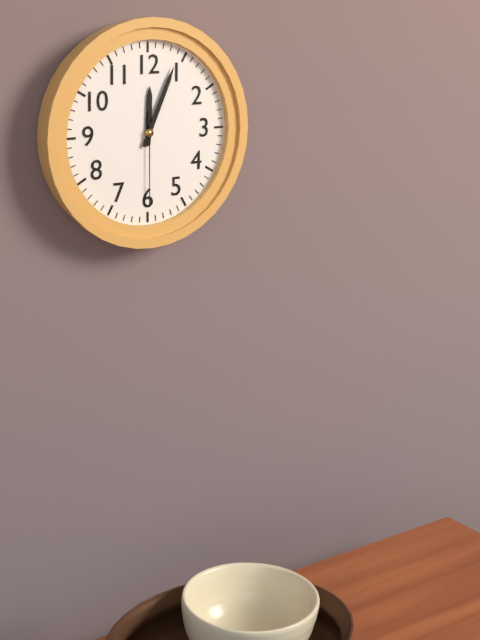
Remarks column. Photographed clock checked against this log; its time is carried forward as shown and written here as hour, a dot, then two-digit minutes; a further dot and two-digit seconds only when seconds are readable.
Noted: 12.04.30
